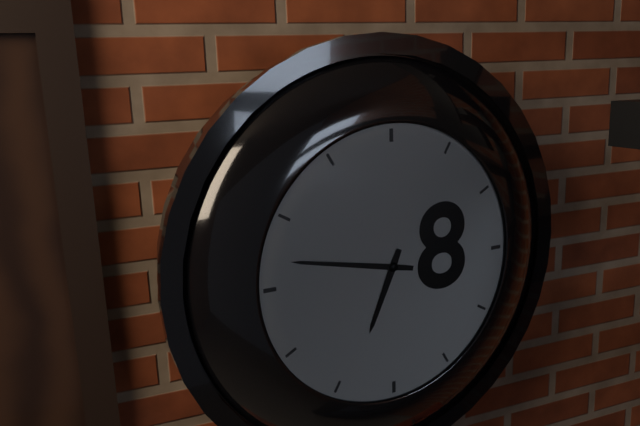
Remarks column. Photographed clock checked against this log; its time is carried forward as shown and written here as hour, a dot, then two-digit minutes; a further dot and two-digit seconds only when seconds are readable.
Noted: 6.47
